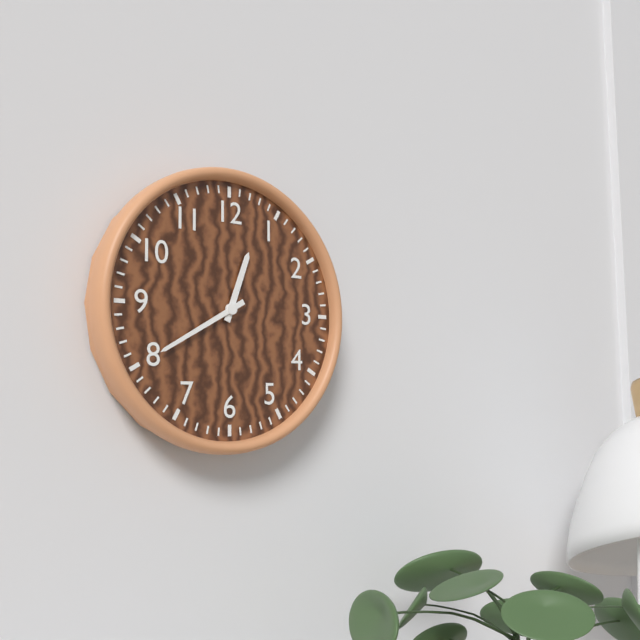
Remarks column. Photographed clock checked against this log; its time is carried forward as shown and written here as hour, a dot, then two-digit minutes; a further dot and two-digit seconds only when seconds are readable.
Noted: 12.40
